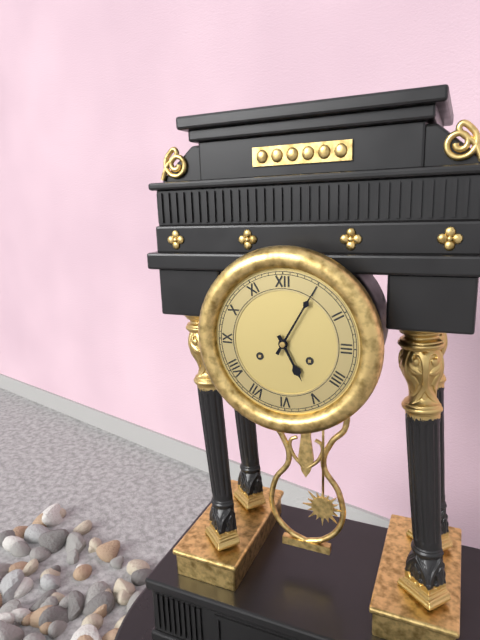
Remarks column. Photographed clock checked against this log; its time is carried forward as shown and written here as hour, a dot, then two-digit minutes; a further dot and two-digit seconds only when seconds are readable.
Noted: 5.05
